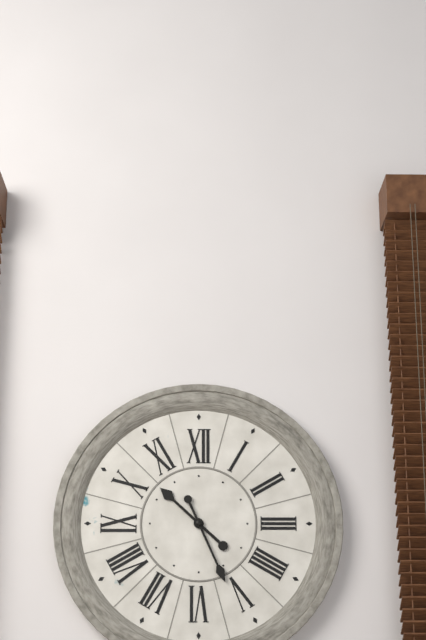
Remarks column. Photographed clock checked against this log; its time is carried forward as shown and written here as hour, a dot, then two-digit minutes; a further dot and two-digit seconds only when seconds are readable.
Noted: 10.26
